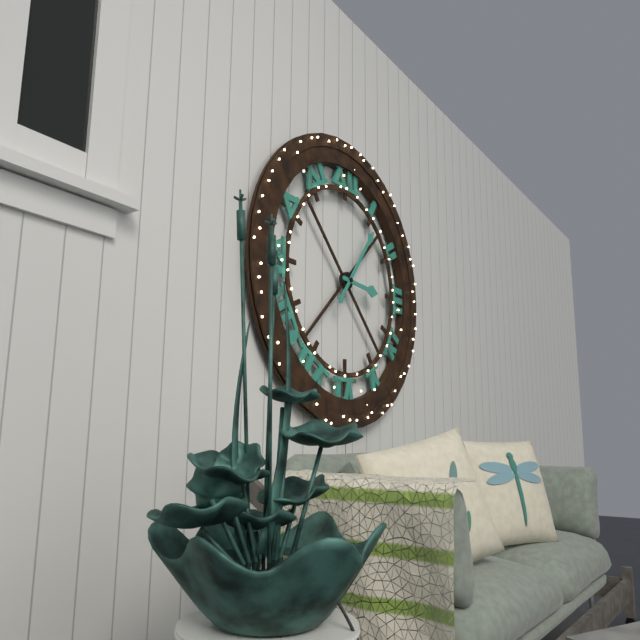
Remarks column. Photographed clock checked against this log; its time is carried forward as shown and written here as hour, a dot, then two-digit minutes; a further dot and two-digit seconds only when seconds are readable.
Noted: 3.06
